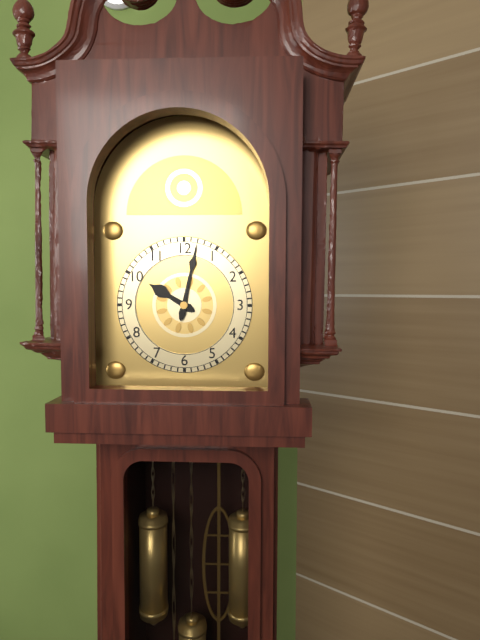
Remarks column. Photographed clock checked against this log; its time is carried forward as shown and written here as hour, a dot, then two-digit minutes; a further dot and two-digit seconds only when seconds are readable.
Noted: 10.02
